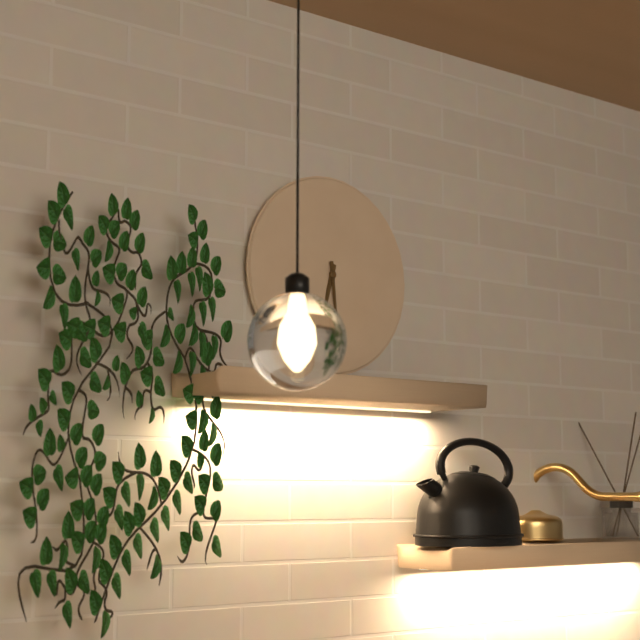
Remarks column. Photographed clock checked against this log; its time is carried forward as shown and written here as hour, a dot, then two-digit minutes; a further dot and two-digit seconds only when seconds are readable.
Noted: 6.29
